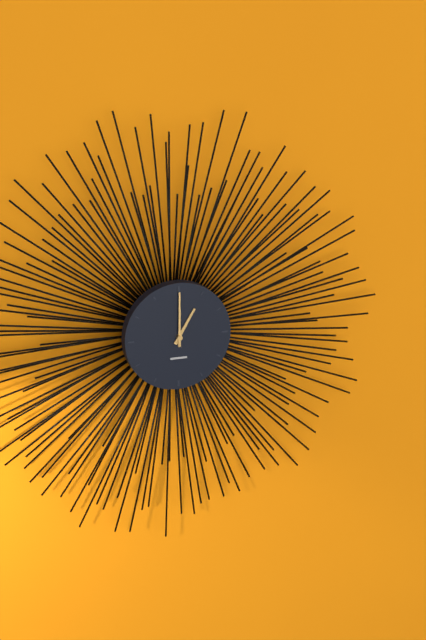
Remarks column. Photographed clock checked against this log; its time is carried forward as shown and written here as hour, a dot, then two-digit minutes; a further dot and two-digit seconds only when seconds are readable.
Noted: 1.00
